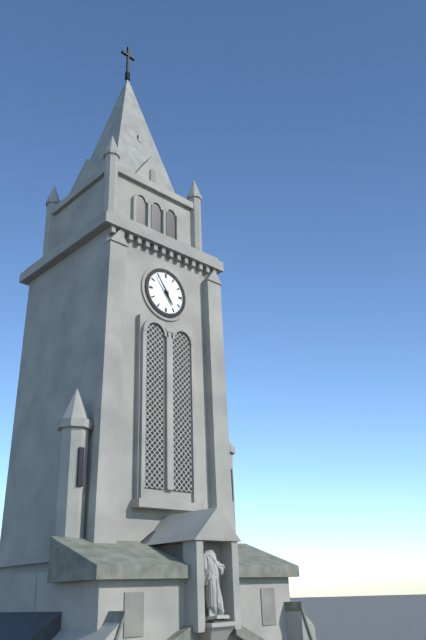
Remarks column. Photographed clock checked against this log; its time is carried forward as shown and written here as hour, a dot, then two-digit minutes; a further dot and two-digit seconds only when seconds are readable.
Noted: 4.54
